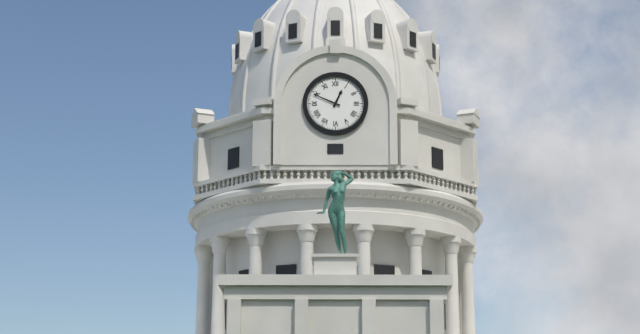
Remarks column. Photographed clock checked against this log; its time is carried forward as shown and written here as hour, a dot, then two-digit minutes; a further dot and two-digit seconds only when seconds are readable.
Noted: 12.49
